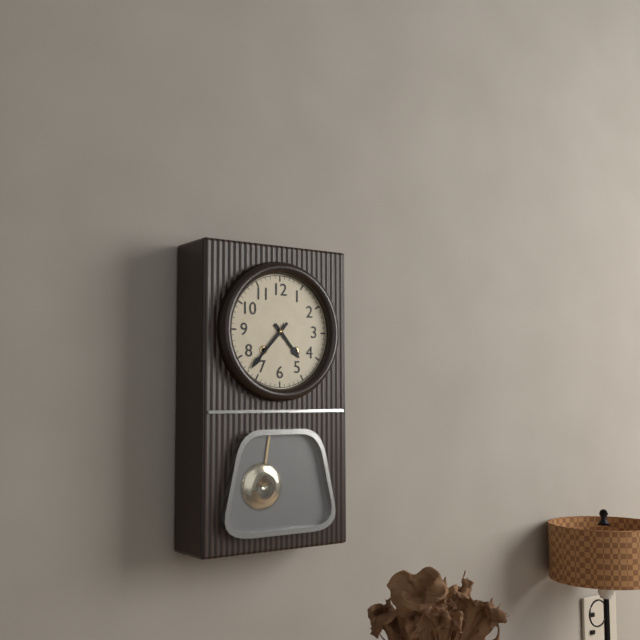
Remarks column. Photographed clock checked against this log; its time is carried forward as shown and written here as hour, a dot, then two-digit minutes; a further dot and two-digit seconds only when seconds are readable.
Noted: 4.37
